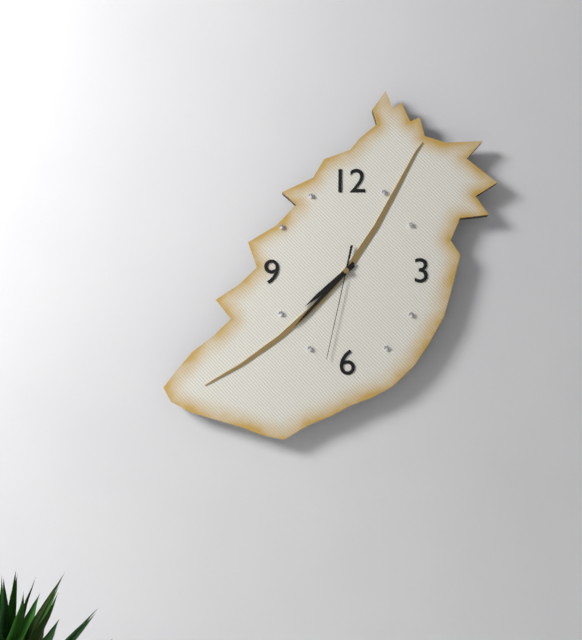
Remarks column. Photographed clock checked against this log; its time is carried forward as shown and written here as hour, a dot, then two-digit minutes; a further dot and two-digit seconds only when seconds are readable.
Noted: 7.37.32
